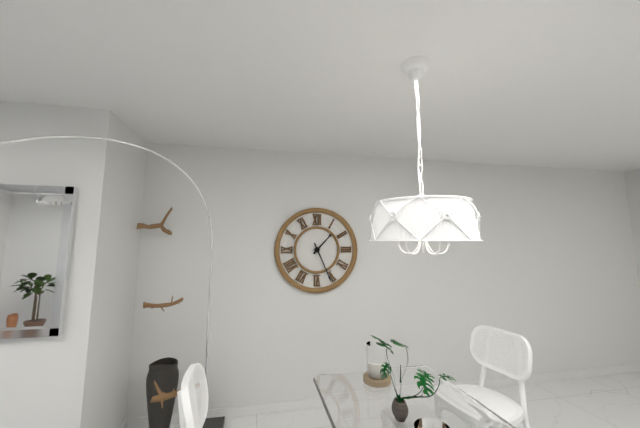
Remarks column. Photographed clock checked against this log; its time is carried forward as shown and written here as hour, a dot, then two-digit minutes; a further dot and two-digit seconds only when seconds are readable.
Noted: 1.26
